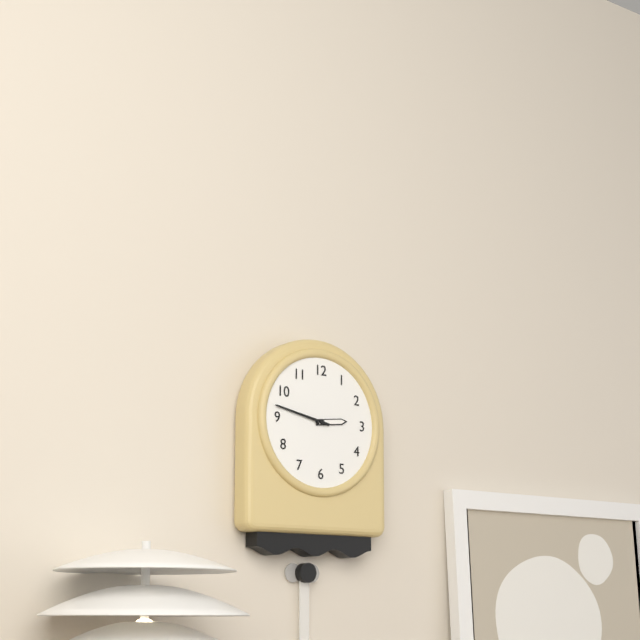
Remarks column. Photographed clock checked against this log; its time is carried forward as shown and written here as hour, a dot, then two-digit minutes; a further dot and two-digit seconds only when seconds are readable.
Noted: 2.47
